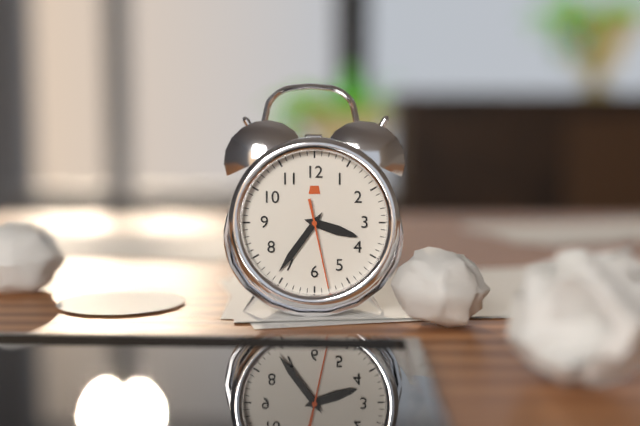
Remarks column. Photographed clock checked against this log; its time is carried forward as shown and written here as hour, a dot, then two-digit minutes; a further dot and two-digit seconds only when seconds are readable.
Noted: 3.36.28
